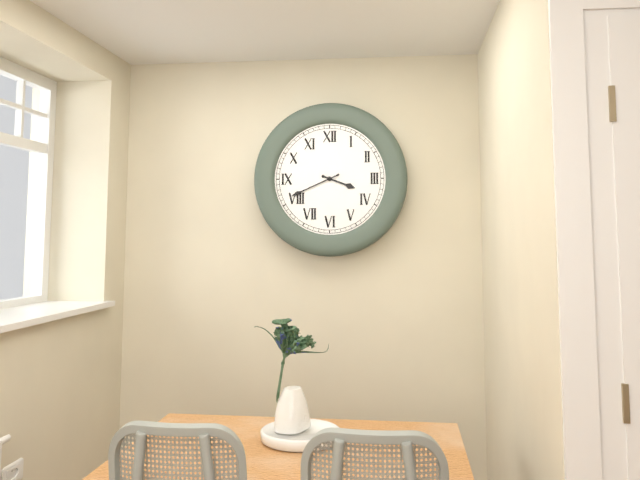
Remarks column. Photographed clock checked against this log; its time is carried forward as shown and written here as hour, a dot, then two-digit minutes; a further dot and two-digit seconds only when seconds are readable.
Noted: 3.41
